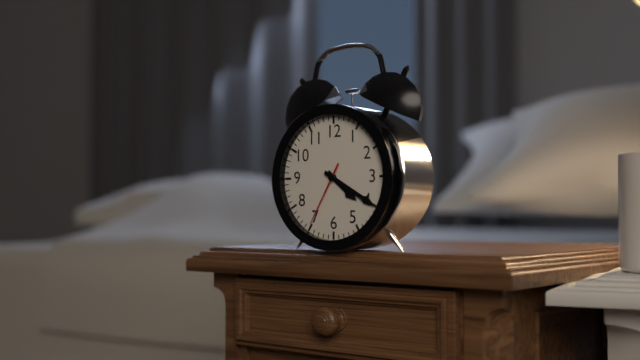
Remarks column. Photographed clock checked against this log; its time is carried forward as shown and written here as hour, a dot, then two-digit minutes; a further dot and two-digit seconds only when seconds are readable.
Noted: 4.20.35
